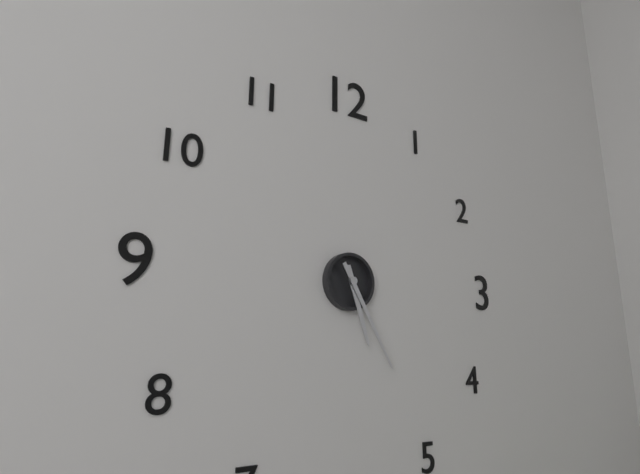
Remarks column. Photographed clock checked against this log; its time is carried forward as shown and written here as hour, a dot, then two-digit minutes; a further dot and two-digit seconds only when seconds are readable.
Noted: 5.25
